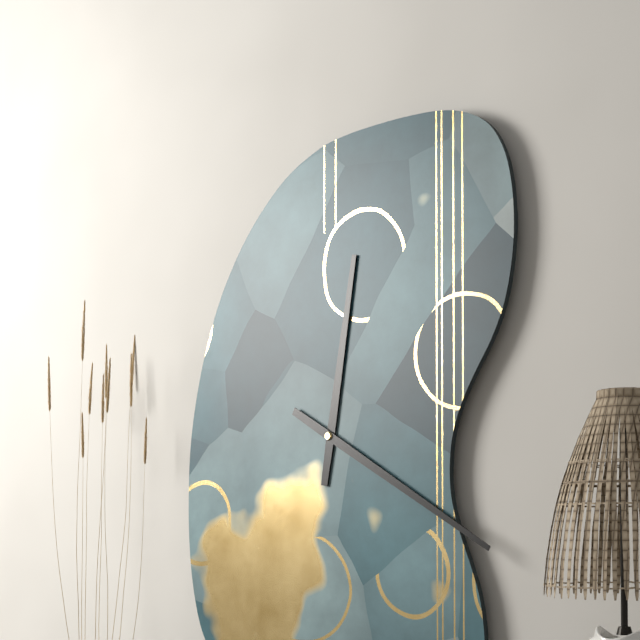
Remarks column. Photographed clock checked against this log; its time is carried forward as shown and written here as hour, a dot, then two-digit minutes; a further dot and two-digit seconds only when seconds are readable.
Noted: 12.20
